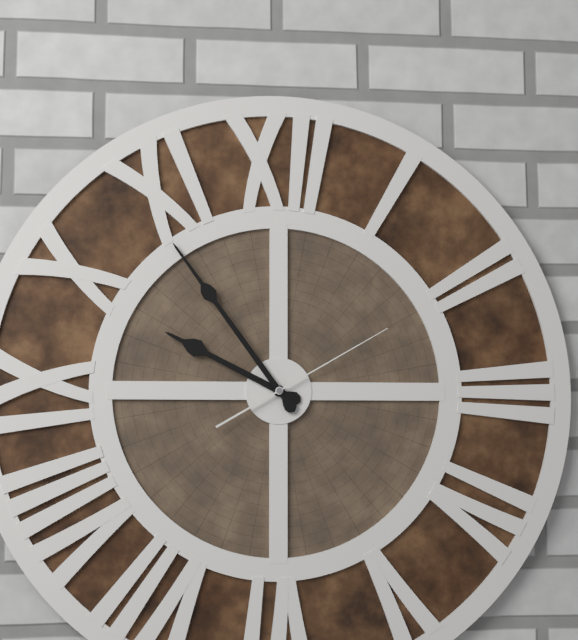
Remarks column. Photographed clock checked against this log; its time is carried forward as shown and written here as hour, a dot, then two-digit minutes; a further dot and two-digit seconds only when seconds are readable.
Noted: 9.54.10
